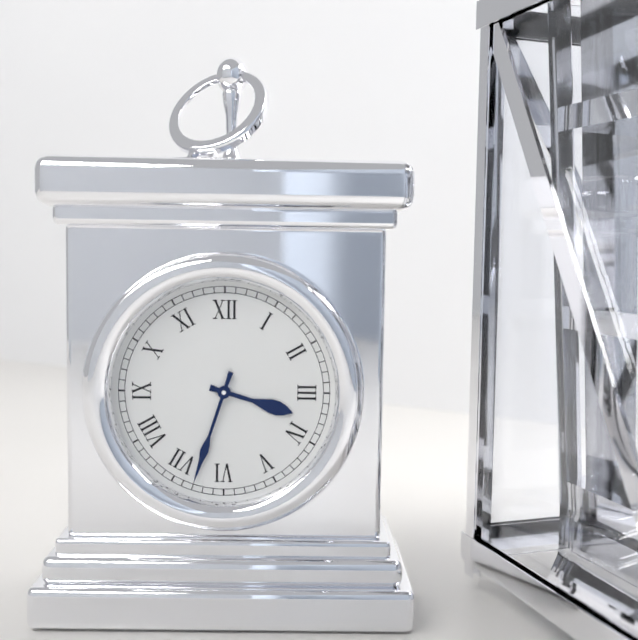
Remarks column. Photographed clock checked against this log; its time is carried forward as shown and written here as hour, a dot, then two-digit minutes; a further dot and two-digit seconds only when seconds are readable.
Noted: 3.33
